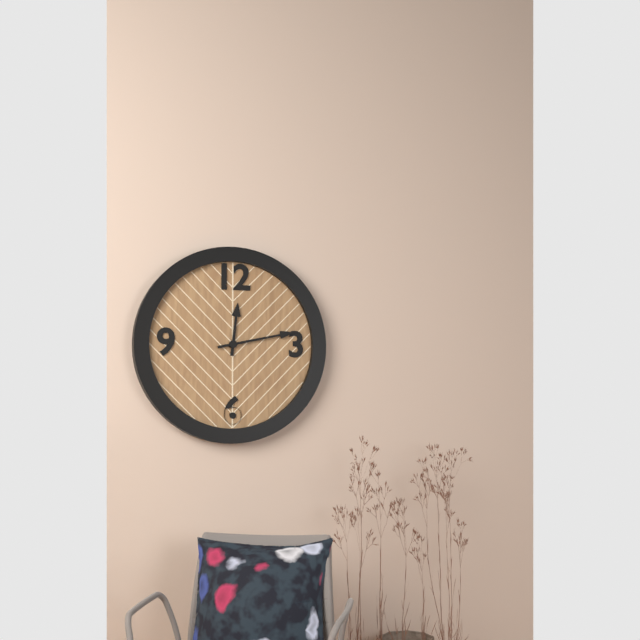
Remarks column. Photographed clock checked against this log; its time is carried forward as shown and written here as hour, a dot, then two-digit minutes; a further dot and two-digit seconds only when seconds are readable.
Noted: 12.13
